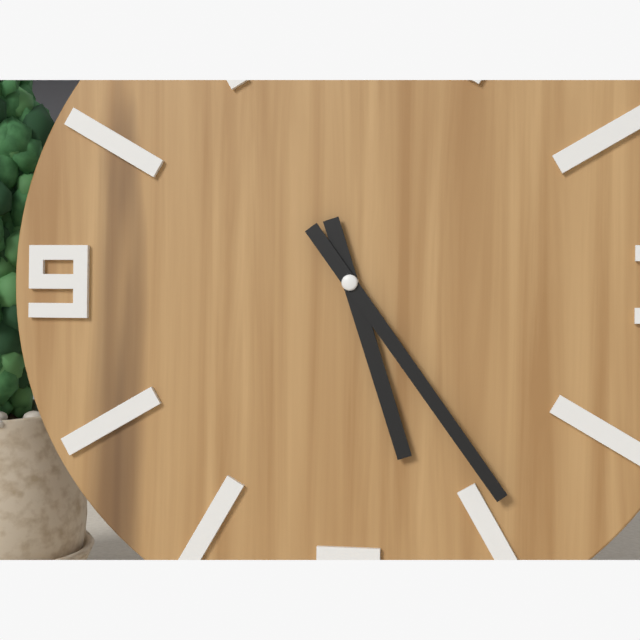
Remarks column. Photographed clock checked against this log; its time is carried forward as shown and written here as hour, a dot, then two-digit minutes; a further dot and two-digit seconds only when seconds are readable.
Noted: 5.24
